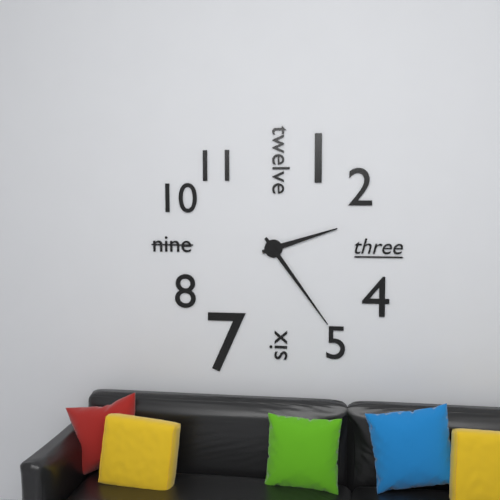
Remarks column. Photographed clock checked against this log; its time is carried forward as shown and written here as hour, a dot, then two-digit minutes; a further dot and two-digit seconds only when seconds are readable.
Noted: 2.24
